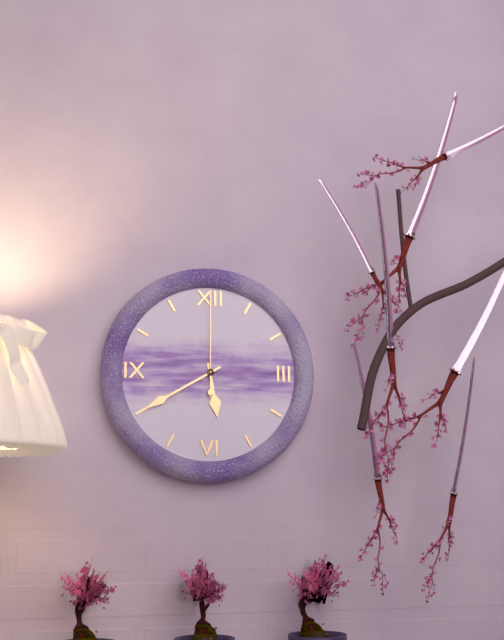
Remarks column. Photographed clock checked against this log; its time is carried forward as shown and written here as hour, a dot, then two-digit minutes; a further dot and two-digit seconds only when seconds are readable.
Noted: 5.40.00
